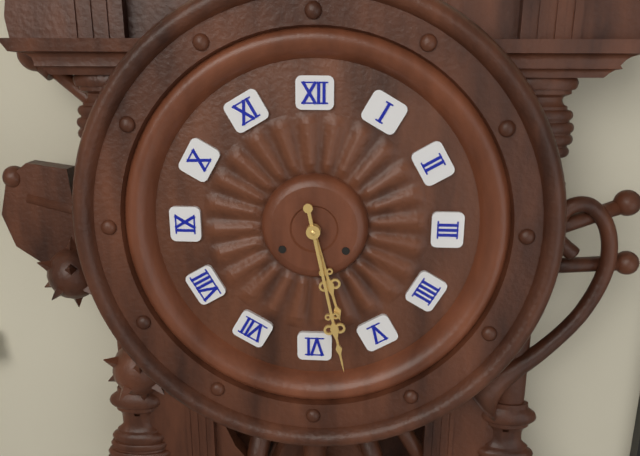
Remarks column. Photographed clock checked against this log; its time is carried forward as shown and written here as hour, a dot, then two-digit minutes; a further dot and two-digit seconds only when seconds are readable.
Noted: 5.28
